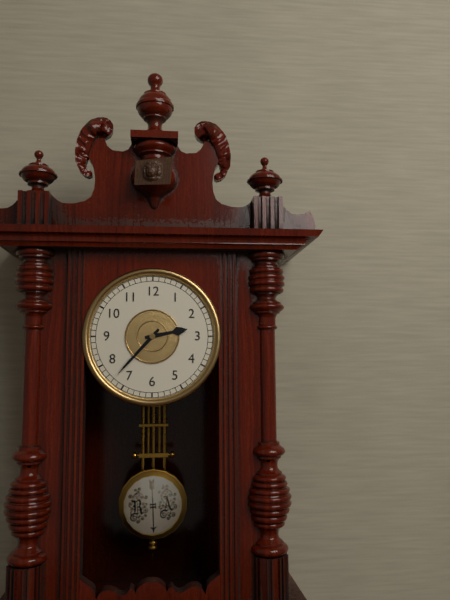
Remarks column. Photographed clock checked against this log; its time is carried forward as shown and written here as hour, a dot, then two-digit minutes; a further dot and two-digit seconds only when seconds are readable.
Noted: 2.37
